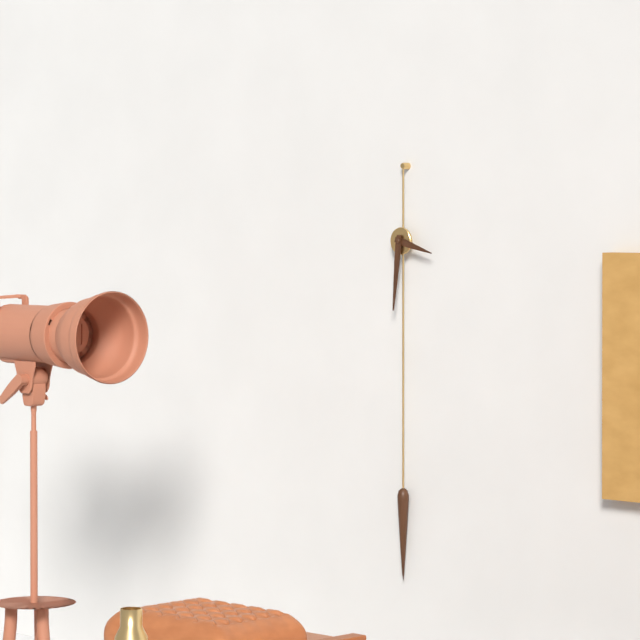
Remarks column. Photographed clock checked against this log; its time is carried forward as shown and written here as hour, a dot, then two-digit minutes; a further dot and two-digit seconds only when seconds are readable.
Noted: 3.31
